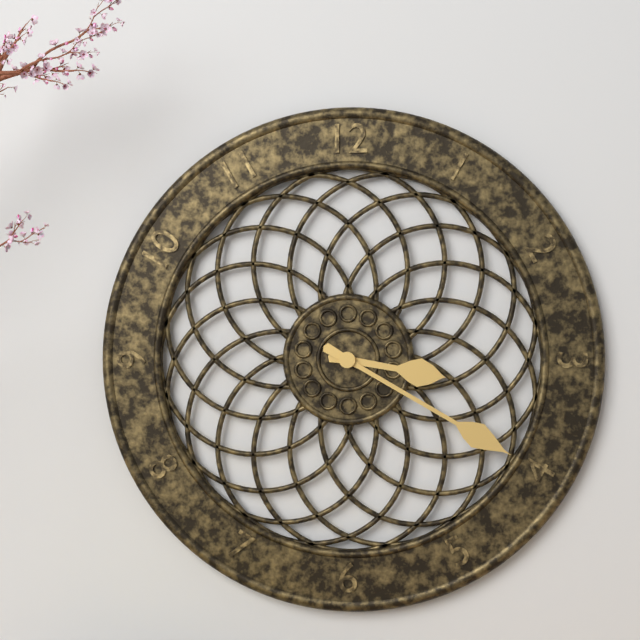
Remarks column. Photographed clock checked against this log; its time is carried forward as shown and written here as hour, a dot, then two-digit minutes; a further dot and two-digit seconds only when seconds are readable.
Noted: 3.20
